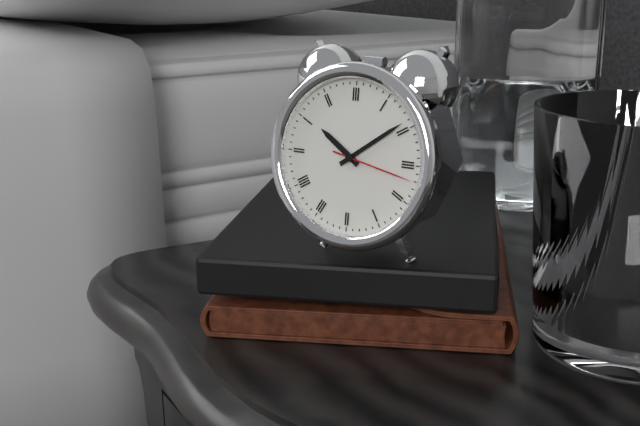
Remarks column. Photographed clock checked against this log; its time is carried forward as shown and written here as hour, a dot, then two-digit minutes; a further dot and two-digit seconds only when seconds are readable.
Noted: 10.09.17
